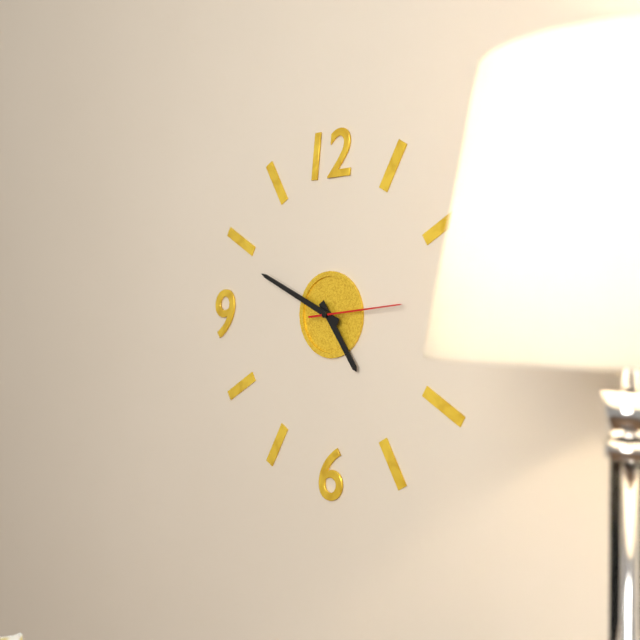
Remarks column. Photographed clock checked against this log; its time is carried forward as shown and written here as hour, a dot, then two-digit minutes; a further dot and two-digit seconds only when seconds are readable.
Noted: 4.49.14
